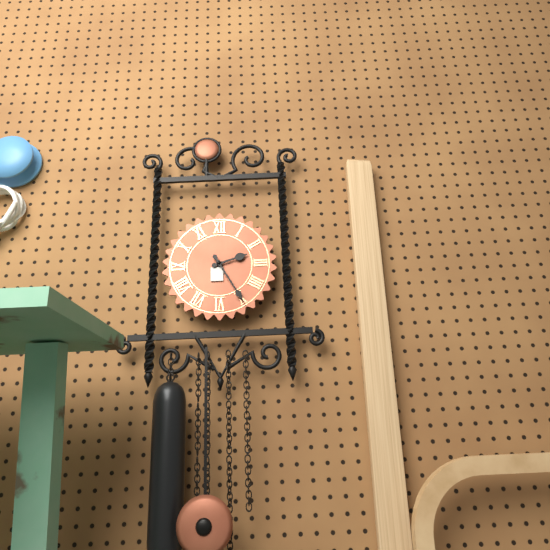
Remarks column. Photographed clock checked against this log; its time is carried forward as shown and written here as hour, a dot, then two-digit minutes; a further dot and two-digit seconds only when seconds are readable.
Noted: 2.25
